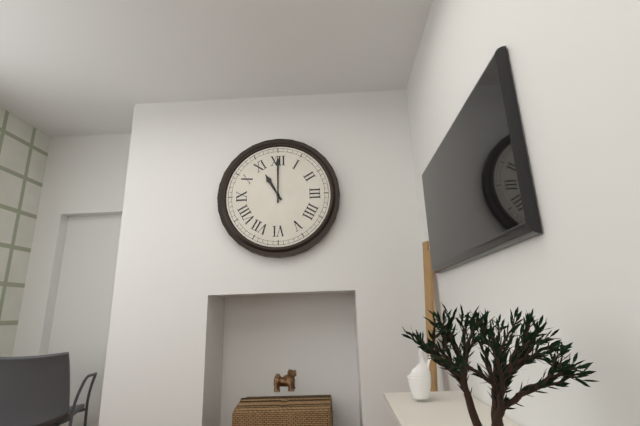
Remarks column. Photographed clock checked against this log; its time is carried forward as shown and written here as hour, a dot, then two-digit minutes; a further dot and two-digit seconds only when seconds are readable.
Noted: 11.00
